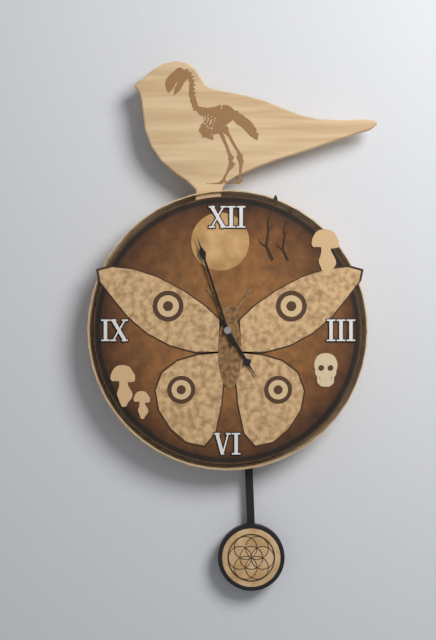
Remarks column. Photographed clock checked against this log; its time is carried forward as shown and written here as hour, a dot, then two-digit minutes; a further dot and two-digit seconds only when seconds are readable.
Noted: 4.57
